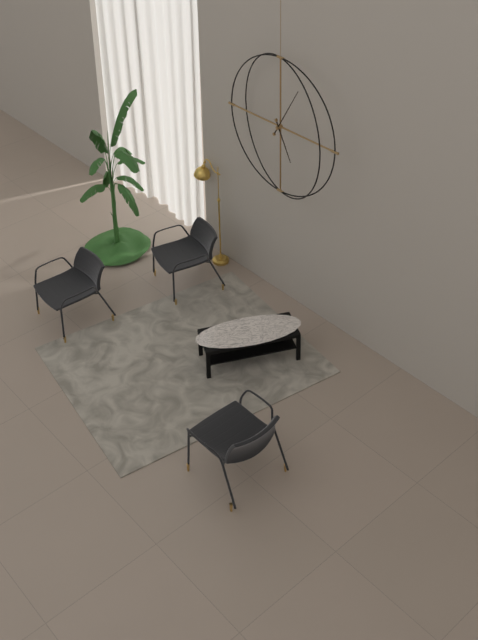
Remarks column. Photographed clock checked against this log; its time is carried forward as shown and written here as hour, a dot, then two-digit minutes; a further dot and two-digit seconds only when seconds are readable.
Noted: 5.05
